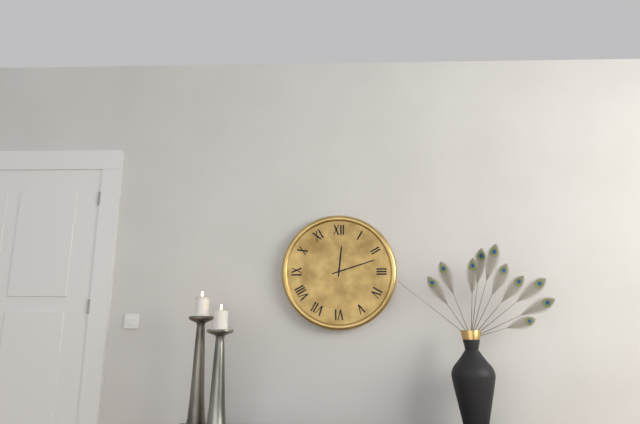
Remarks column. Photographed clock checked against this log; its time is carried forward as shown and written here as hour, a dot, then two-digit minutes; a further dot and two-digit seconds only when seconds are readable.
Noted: 12.12
